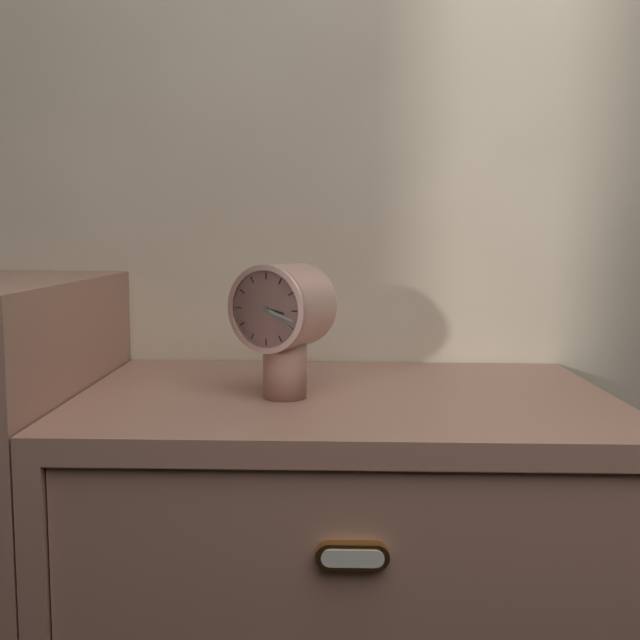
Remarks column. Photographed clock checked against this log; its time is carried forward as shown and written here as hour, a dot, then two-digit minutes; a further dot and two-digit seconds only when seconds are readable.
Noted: 3.18
